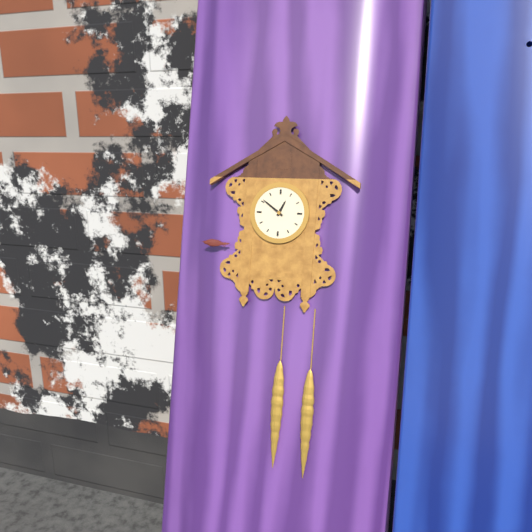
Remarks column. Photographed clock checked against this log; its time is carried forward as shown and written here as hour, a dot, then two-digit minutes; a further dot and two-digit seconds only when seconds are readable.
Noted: 12.51
